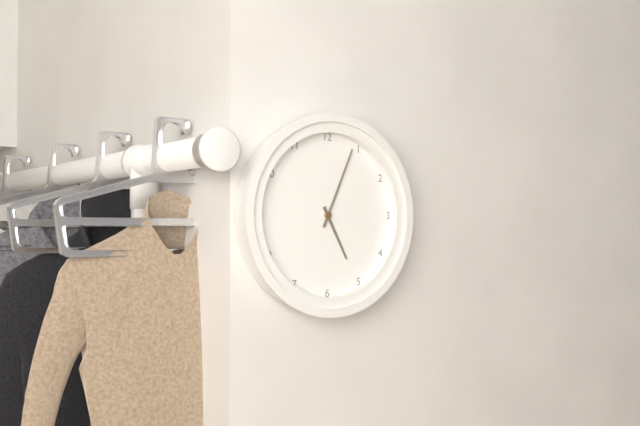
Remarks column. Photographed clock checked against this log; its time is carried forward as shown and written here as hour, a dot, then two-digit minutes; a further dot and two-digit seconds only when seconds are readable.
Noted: 5.04
